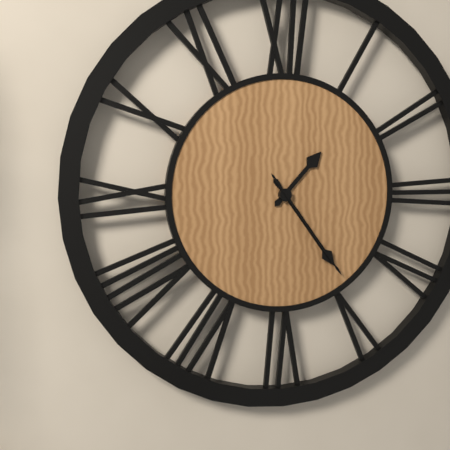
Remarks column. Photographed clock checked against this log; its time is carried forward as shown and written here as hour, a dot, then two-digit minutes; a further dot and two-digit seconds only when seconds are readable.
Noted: 1.24.24
